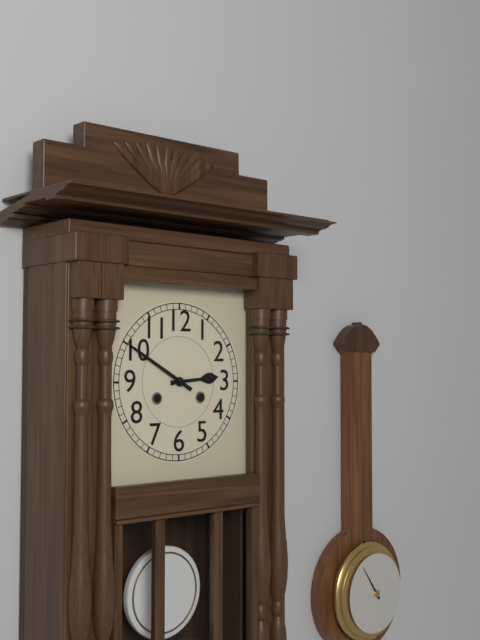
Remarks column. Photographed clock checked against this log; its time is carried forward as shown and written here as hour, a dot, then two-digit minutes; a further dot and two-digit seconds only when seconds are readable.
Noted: 2.50
